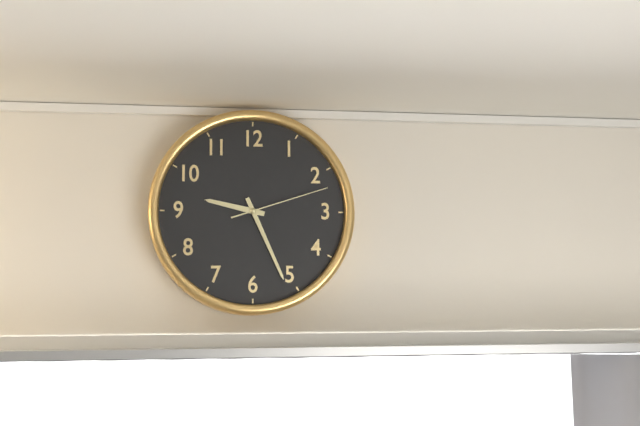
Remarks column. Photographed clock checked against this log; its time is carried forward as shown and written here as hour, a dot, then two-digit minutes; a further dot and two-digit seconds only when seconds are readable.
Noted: 9.26.12
